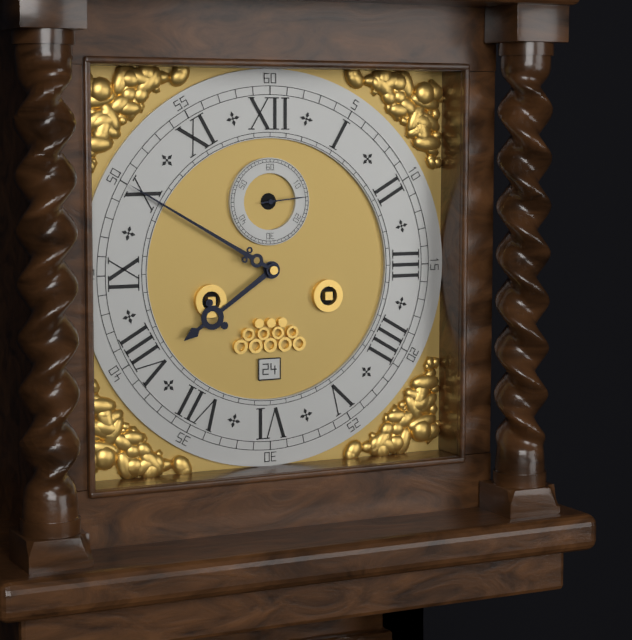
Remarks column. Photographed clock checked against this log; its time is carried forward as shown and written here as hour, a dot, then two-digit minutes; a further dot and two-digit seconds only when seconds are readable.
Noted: 7.50
